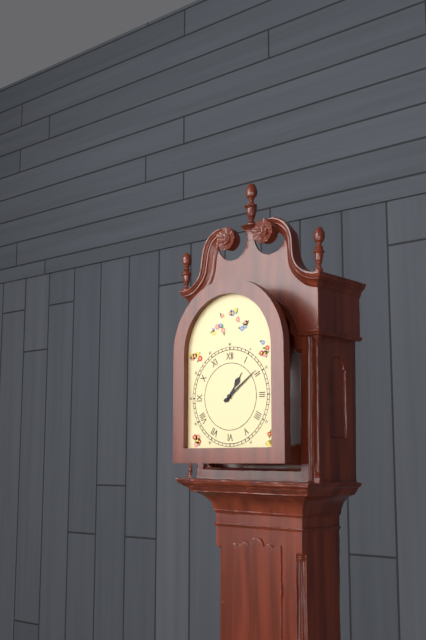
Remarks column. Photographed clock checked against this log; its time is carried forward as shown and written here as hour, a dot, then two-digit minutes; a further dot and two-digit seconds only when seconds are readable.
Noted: 1.09
